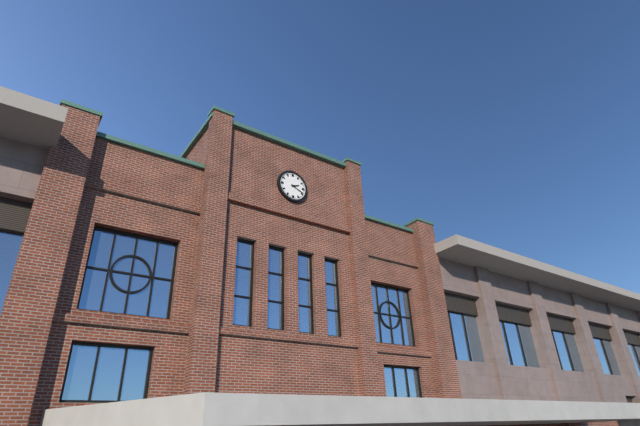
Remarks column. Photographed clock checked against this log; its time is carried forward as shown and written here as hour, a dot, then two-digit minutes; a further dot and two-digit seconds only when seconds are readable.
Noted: 2.19
